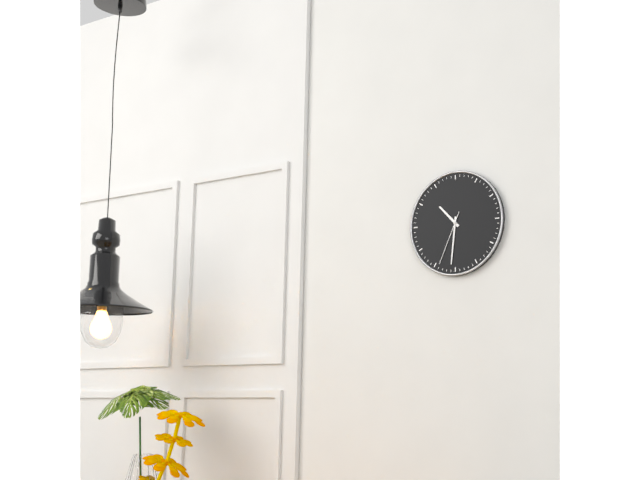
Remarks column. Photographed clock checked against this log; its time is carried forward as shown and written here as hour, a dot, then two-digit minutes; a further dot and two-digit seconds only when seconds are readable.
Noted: 10.31.34
